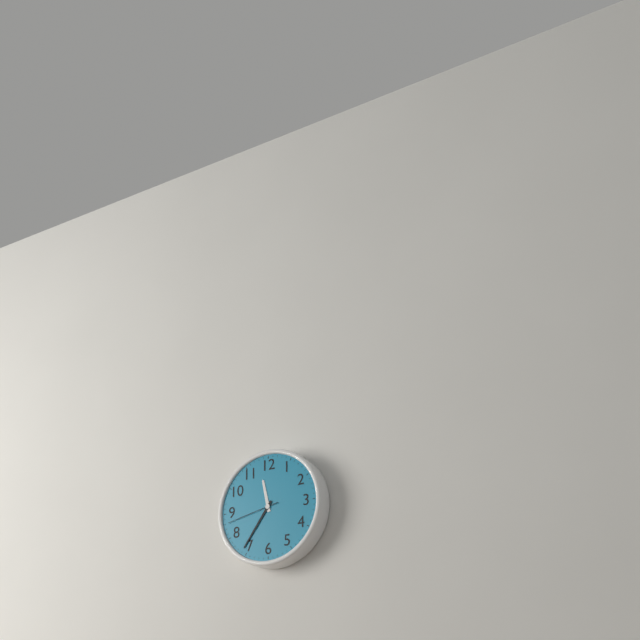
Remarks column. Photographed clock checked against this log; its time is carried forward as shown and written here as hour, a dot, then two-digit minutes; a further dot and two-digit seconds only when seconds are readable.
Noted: 11.36.43
